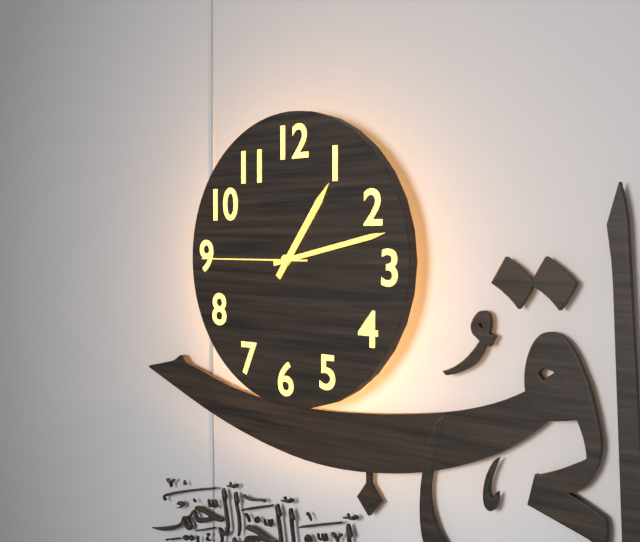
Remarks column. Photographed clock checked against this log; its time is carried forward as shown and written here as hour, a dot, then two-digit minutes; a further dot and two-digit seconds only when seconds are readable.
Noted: 1.13.45
